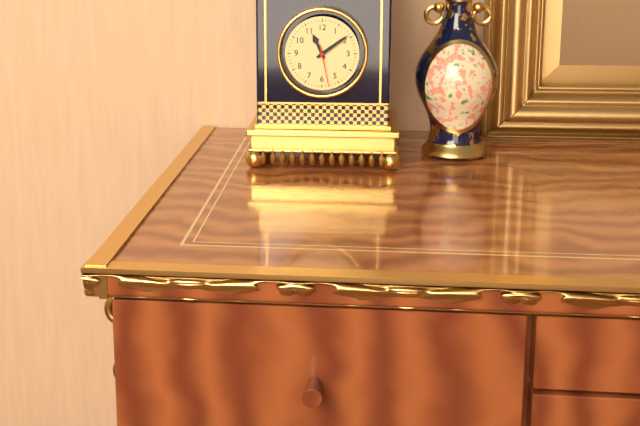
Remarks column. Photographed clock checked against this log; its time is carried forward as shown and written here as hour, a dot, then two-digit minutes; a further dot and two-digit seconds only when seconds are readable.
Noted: 11.09
